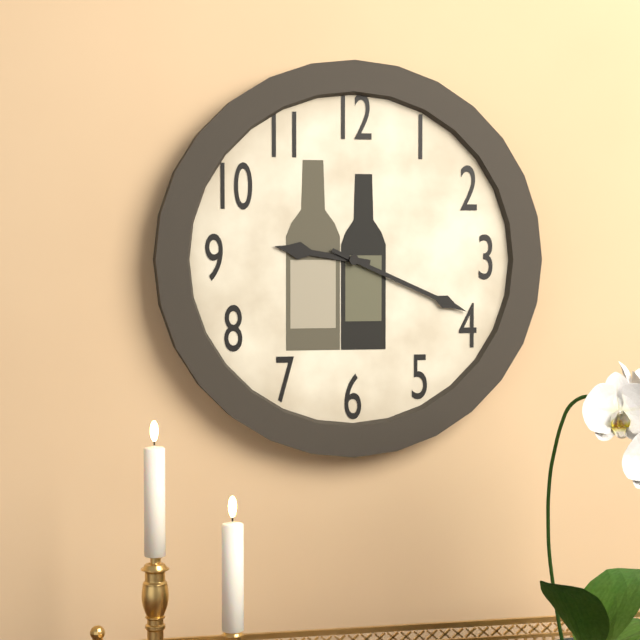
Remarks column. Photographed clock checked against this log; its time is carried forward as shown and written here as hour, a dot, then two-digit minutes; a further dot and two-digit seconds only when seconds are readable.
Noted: 9.19
